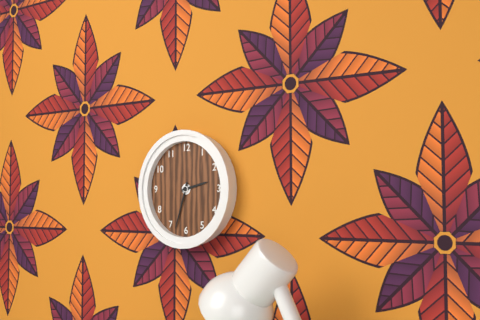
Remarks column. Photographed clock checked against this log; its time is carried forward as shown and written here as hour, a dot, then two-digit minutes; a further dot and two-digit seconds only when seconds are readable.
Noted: 2.33
